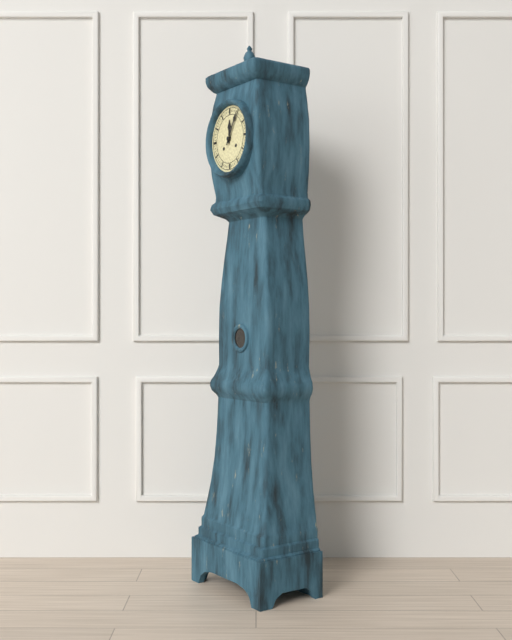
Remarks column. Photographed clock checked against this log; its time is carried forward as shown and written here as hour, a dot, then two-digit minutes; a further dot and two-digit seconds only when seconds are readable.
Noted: 12.05
